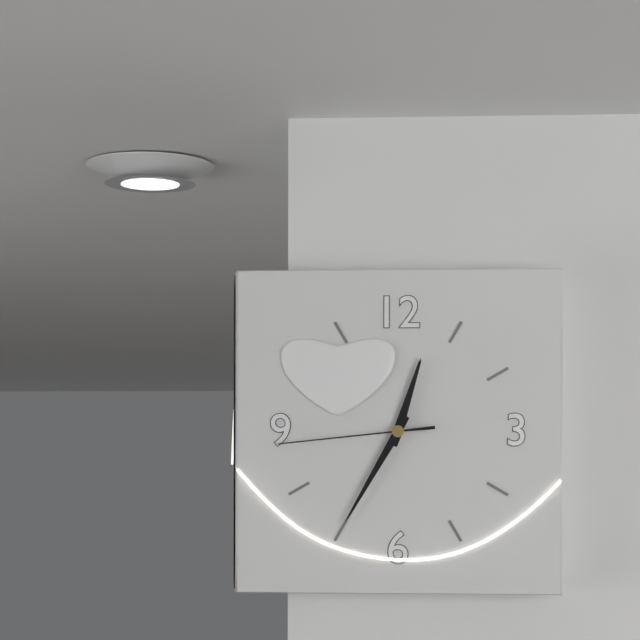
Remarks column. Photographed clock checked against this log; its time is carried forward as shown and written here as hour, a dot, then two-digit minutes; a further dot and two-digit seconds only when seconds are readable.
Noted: 12.35.44
